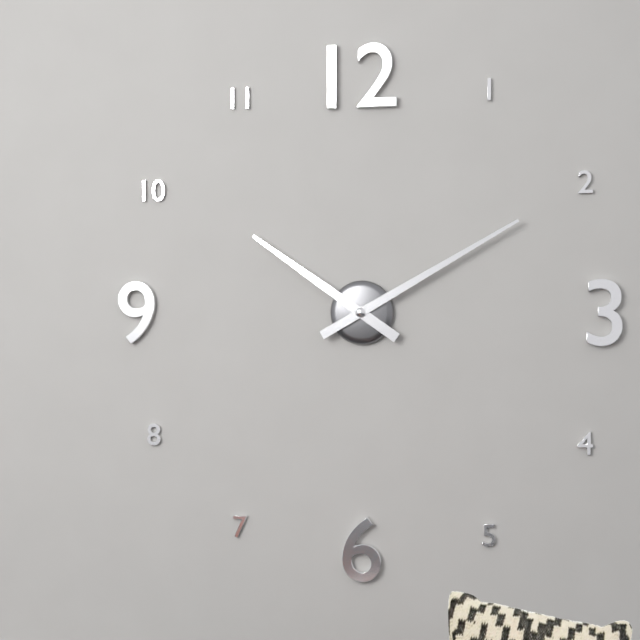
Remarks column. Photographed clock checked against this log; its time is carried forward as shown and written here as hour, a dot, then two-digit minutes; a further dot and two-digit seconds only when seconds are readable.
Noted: 10.10
